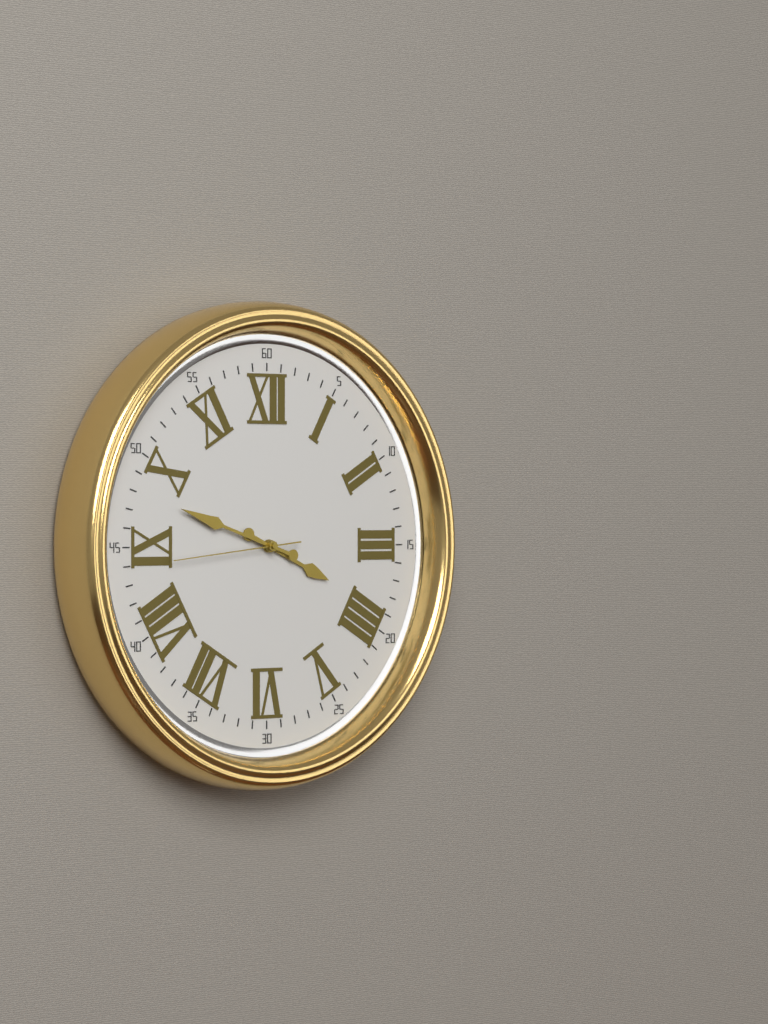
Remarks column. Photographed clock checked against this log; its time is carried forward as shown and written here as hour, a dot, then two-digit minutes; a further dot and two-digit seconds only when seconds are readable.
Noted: 3.48.44
